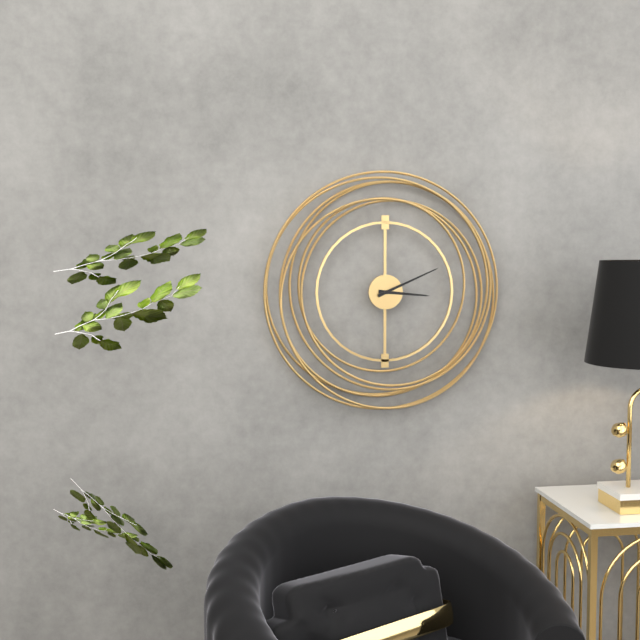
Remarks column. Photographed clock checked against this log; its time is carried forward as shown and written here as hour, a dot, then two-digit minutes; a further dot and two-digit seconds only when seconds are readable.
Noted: 3.11
